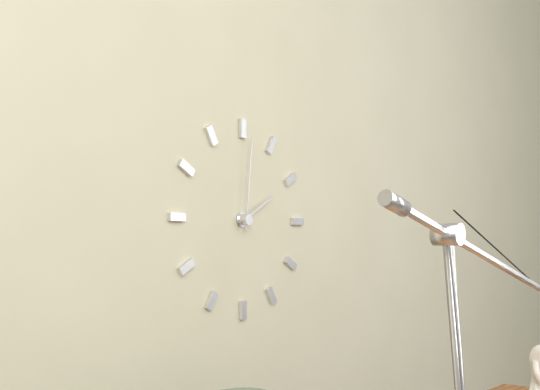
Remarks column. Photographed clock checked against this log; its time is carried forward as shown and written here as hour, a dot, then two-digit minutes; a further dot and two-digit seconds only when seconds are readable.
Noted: 2.01
